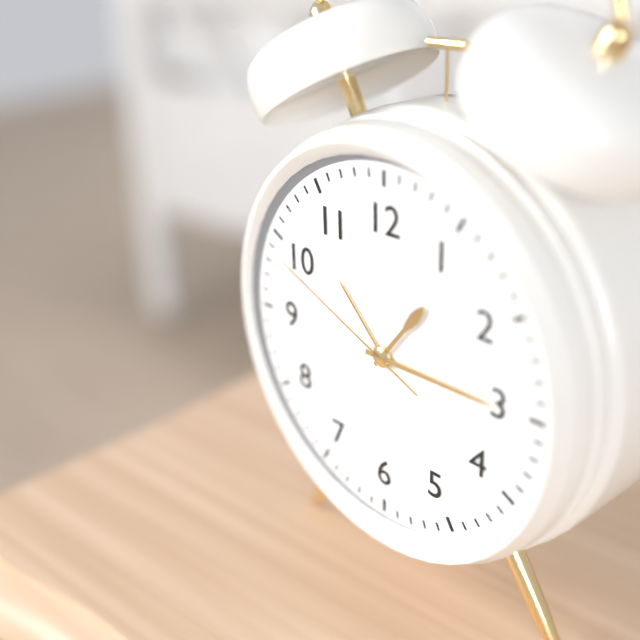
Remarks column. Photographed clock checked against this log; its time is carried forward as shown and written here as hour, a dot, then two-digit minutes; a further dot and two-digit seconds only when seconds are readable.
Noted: 1.15.49
